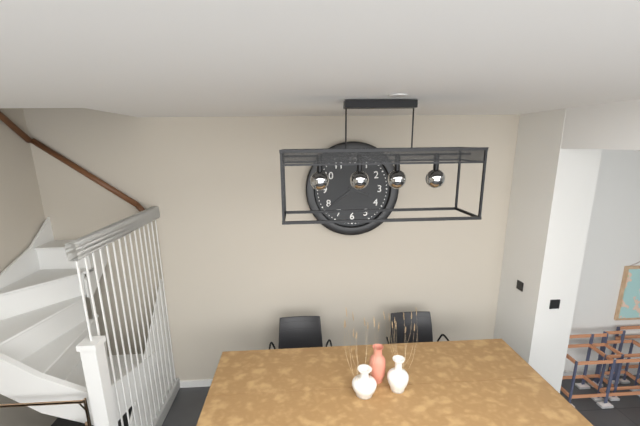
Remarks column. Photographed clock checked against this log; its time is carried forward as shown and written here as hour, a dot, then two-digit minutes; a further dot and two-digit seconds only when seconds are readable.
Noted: 3.39
